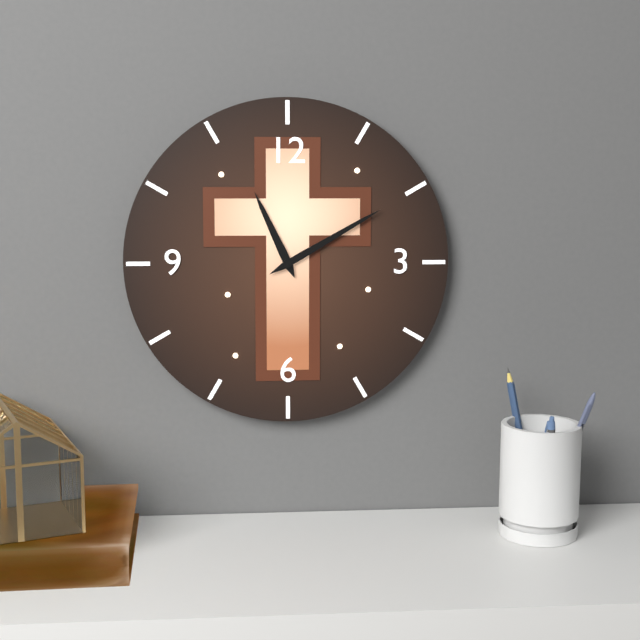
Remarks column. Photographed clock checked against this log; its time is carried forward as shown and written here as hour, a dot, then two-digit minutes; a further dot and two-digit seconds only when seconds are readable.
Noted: 11.10
